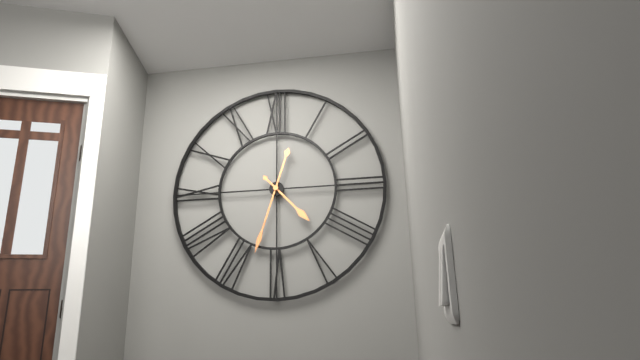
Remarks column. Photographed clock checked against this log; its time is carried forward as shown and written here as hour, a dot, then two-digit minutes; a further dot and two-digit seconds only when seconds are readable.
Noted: 4.33
